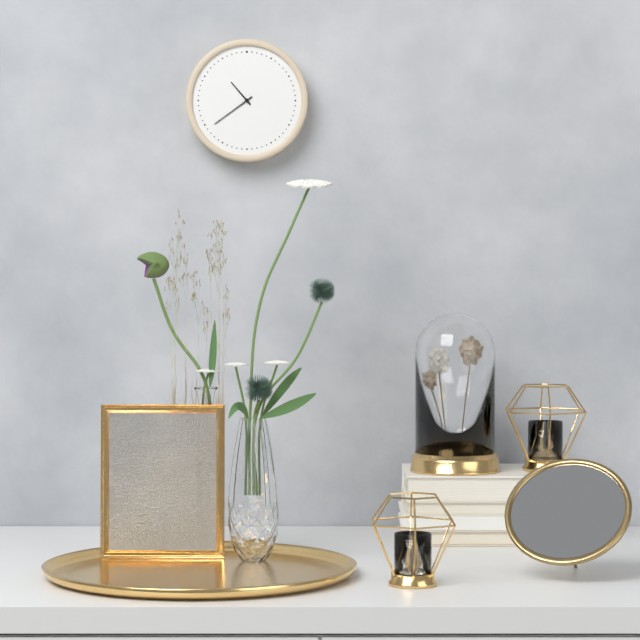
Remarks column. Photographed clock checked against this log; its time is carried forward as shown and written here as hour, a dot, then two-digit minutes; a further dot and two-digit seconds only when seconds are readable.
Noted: 10.39
